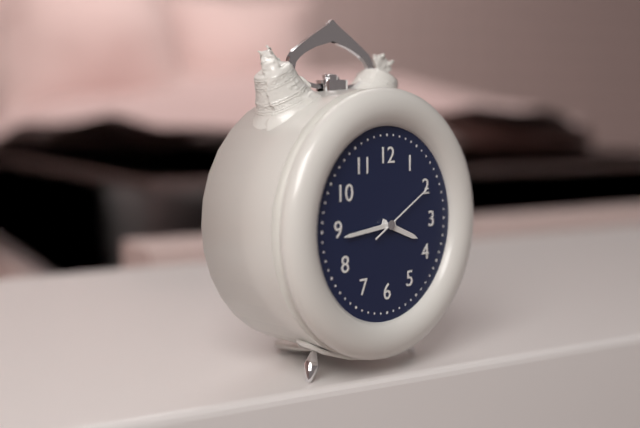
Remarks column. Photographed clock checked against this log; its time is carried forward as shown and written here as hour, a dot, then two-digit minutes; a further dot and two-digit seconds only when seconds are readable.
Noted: 3.44.10
